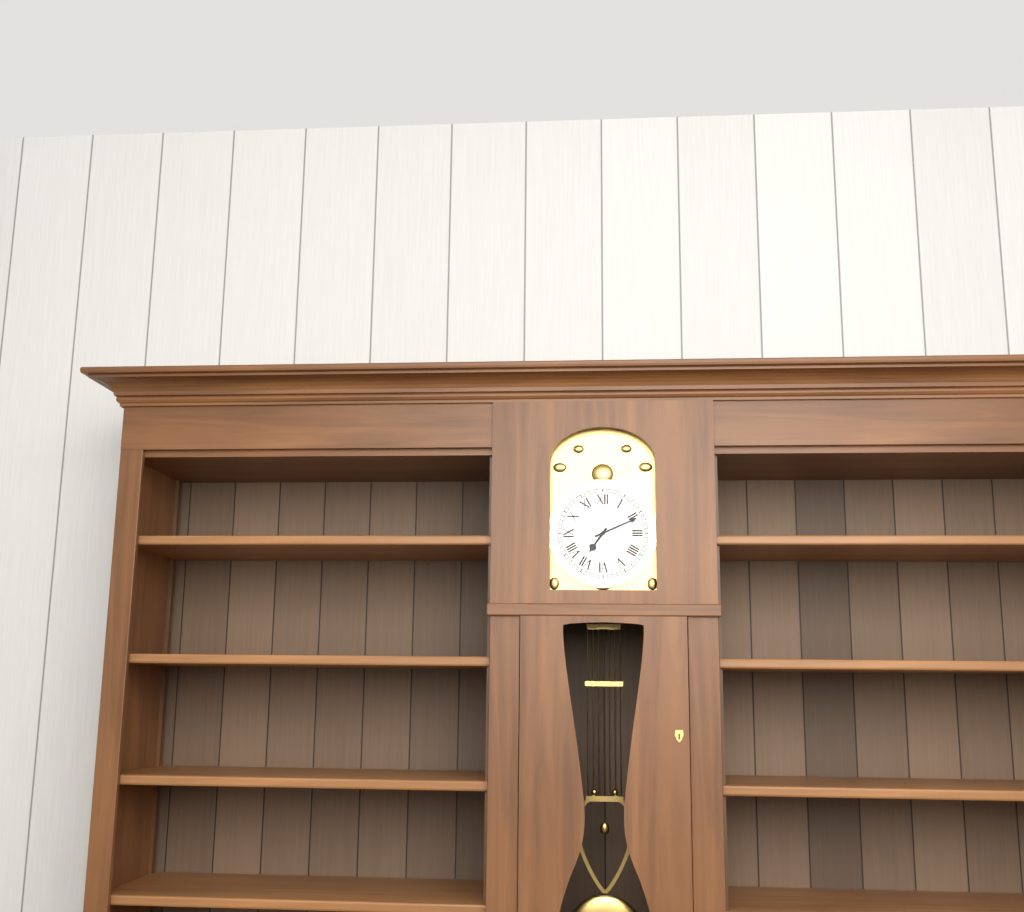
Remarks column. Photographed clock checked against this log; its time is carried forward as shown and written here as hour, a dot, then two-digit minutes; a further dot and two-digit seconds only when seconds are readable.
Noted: 7.11
